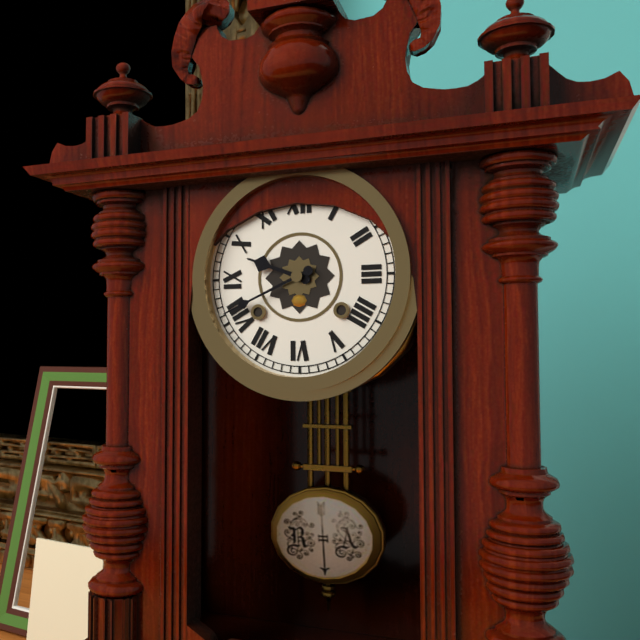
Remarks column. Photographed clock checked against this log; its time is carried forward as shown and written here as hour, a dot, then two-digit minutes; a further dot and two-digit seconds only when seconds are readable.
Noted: 9.41
